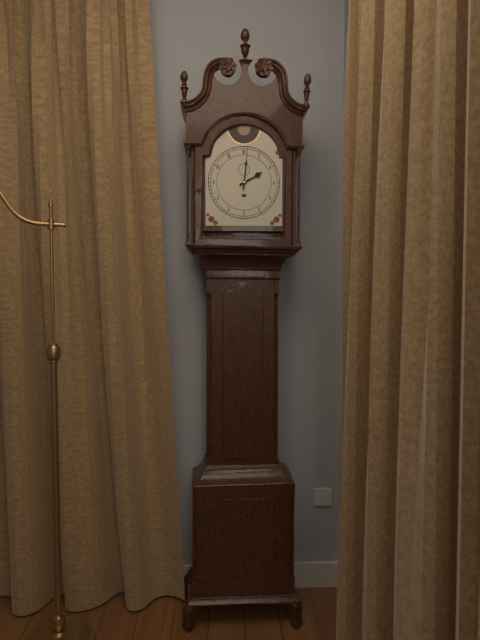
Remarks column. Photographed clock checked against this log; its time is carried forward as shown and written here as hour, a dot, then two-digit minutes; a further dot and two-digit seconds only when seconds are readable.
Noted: 2.01
